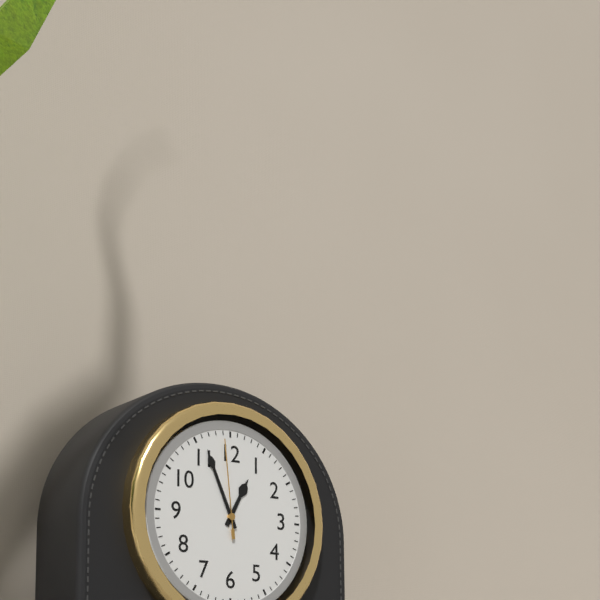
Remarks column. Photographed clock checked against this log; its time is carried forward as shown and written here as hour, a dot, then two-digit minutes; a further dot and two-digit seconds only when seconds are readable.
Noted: 12.56.59
